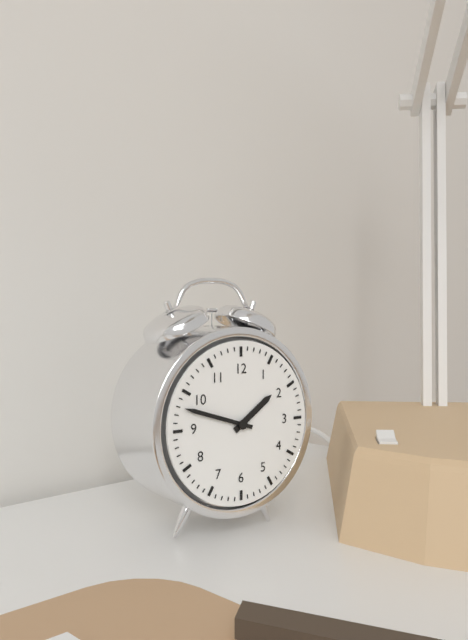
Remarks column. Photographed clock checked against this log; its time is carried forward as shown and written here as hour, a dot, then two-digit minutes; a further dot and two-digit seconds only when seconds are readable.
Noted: 1.48
